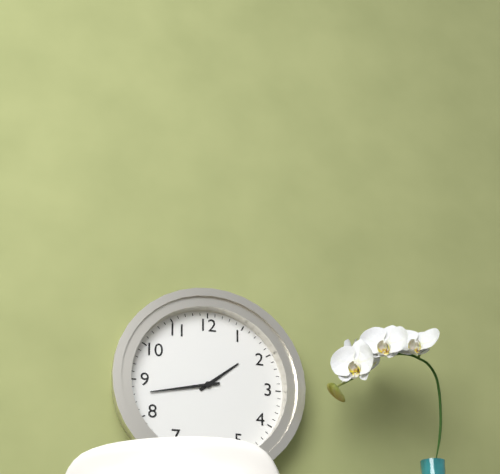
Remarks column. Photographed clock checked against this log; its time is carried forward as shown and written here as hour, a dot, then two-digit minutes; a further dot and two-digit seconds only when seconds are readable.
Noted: 1.43
